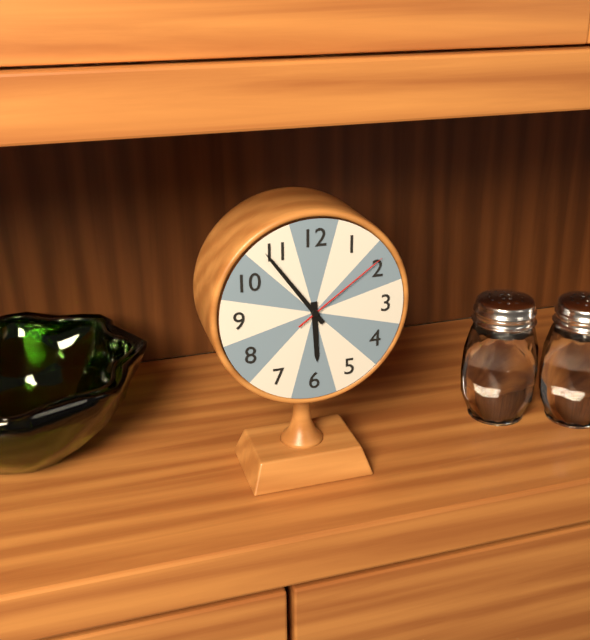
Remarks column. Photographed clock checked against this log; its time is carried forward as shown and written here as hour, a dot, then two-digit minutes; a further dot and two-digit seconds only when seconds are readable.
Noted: 5.54.09
